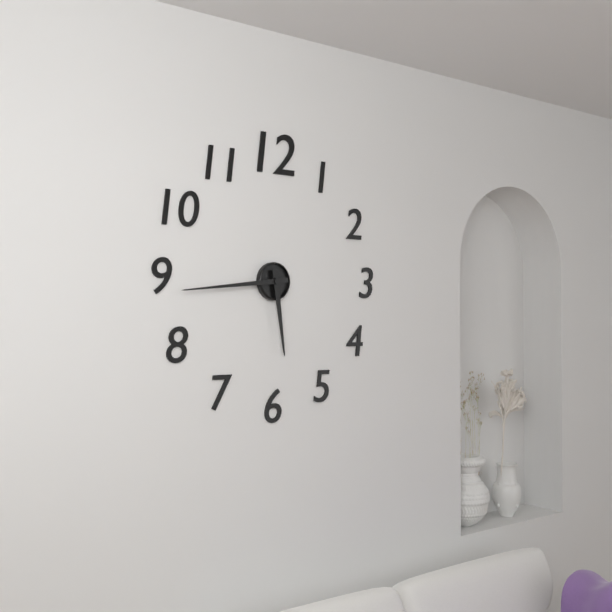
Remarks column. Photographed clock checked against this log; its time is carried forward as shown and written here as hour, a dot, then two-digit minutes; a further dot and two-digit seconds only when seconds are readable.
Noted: 5.44
